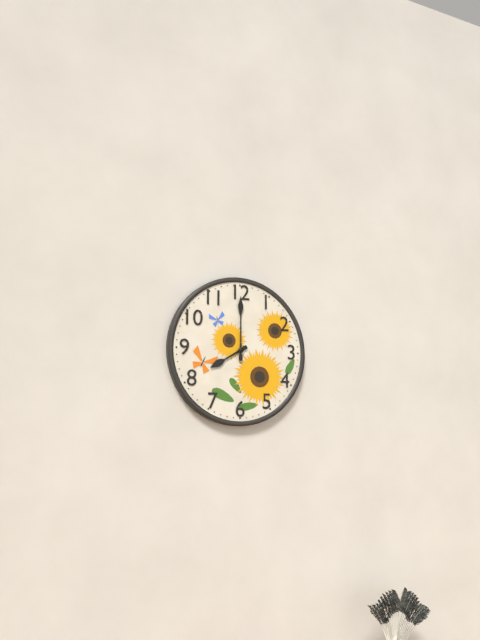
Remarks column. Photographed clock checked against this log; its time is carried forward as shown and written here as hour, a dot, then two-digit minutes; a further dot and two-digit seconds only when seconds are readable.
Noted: 8.00
